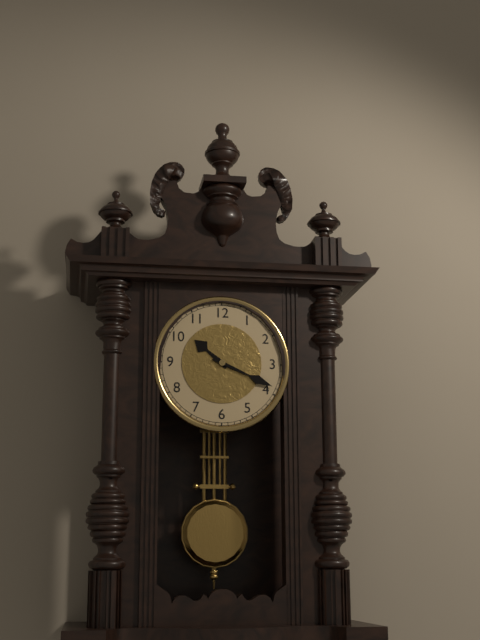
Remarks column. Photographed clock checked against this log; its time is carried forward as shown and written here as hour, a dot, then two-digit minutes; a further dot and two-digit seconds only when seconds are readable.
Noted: 10.19
